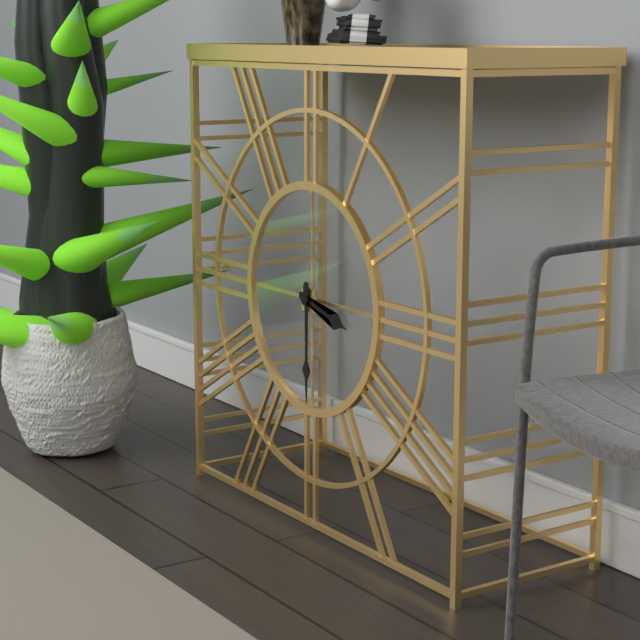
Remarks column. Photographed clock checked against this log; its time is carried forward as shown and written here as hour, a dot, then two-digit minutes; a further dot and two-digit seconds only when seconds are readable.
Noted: 3.30
